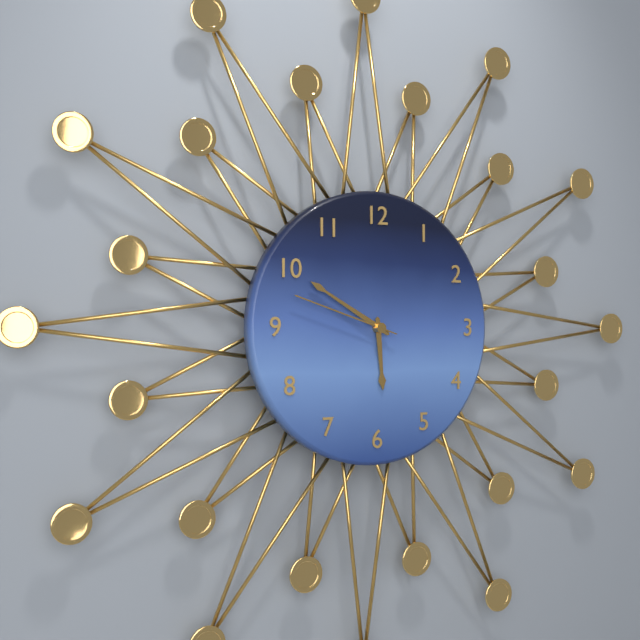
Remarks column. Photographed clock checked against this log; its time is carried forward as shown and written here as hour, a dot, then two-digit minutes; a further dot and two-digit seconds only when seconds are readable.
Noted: 5.50.48
